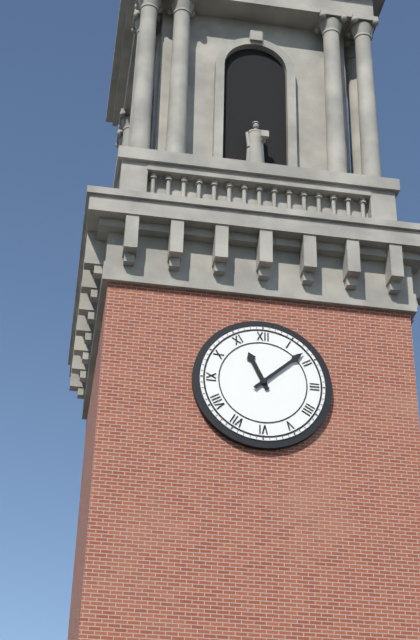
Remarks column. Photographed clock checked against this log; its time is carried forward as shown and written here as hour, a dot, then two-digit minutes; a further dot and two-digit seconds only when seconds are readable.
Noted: 11.08
